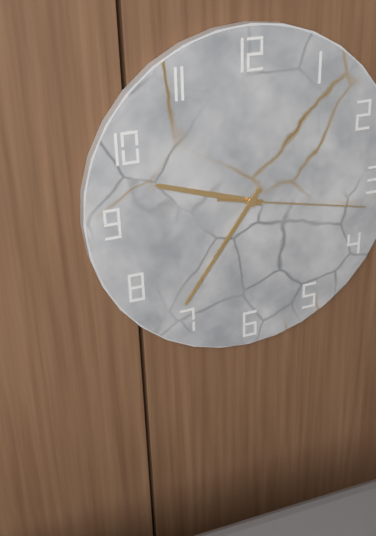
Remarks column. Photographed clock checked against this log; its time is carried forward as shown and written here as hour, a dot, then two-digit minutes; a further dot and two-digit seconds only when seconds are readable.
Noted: 9.36.17
